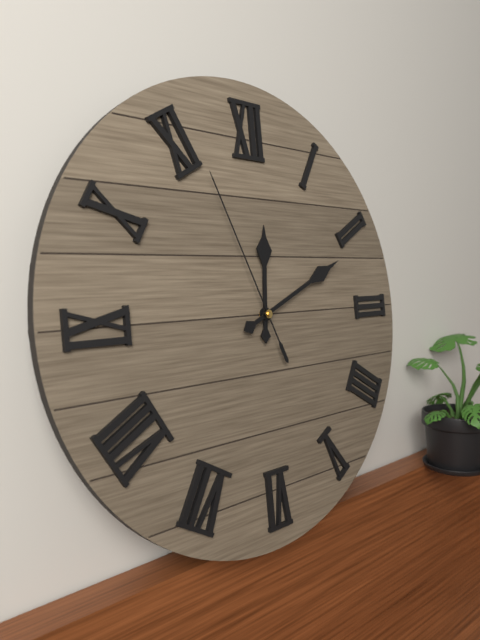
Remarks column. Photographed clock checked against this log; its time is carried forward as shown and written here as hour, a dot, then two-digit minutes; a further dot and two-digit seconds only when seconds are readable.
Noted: 12.11.56
